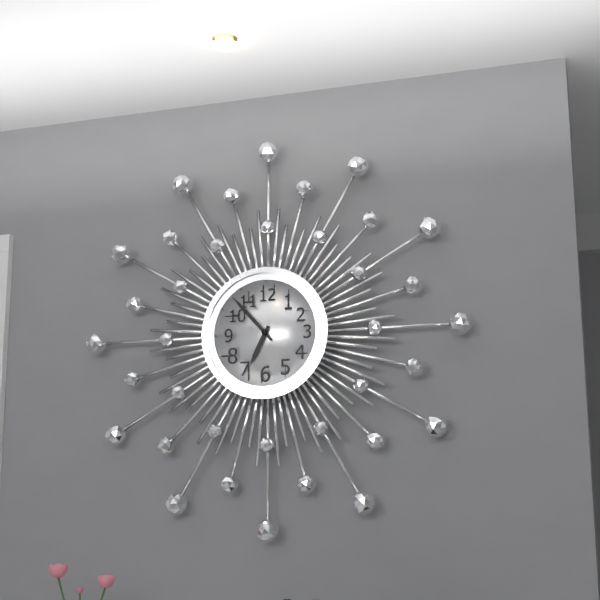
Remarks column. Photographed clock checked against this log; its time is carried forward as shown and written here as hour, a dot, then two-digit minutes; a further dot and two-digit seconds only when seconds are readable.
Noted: 6.53
